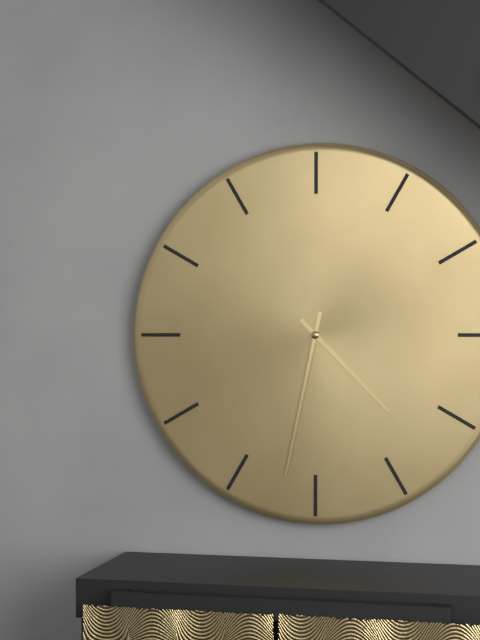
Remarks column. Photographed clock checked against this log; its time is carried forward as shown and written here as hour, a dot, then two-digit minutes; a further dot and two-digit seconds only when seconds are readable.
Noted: 4.32
